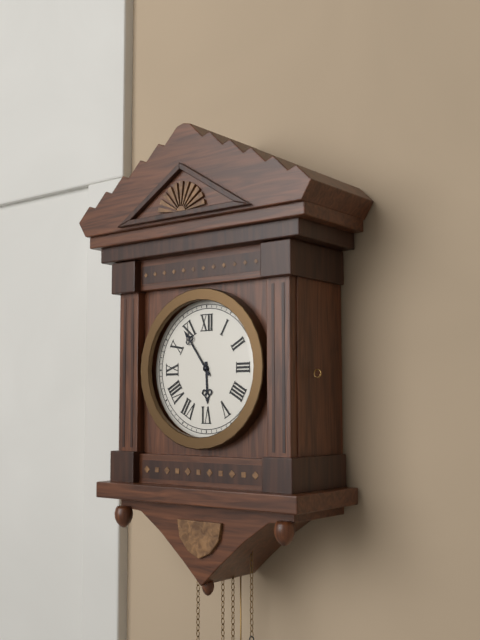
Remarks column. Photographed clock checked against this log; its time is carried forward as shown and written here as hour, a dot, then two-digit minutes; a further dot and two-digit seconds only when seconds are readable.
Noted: 5.54
